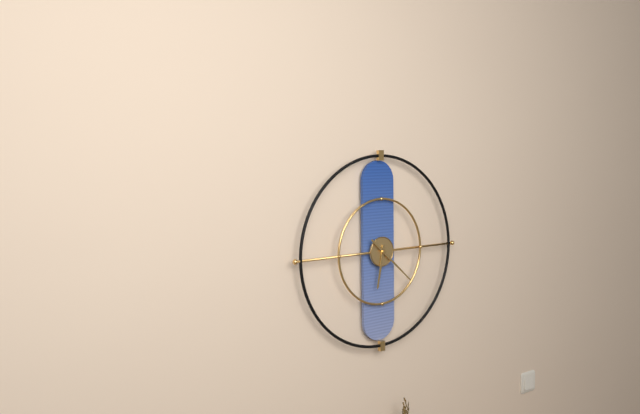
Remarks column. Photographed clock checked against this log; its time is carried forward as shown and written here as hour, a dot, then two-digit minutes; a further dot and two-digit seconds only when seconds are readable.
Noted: 6.22
